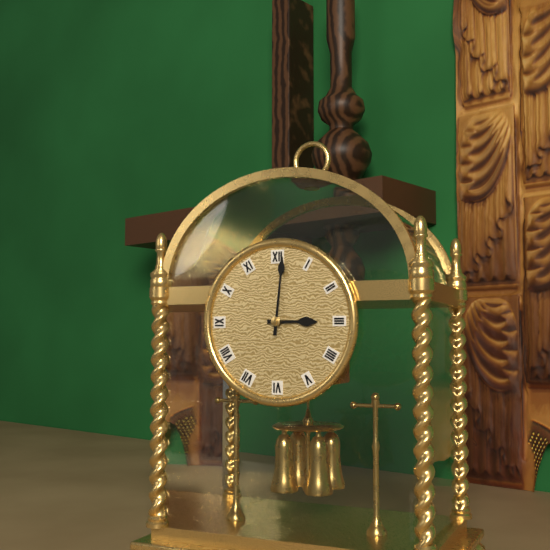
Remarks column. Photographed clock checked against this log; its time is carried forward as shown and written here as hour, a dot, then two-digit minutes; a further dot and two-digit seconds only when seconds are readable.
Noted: 3.01
